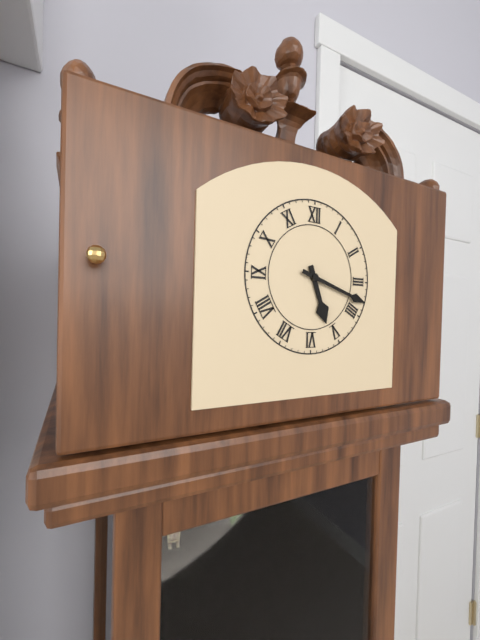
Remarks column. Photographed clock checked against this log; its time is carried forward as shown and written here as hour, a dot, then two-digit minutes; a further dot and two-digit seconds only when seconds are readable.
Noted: 5.18
